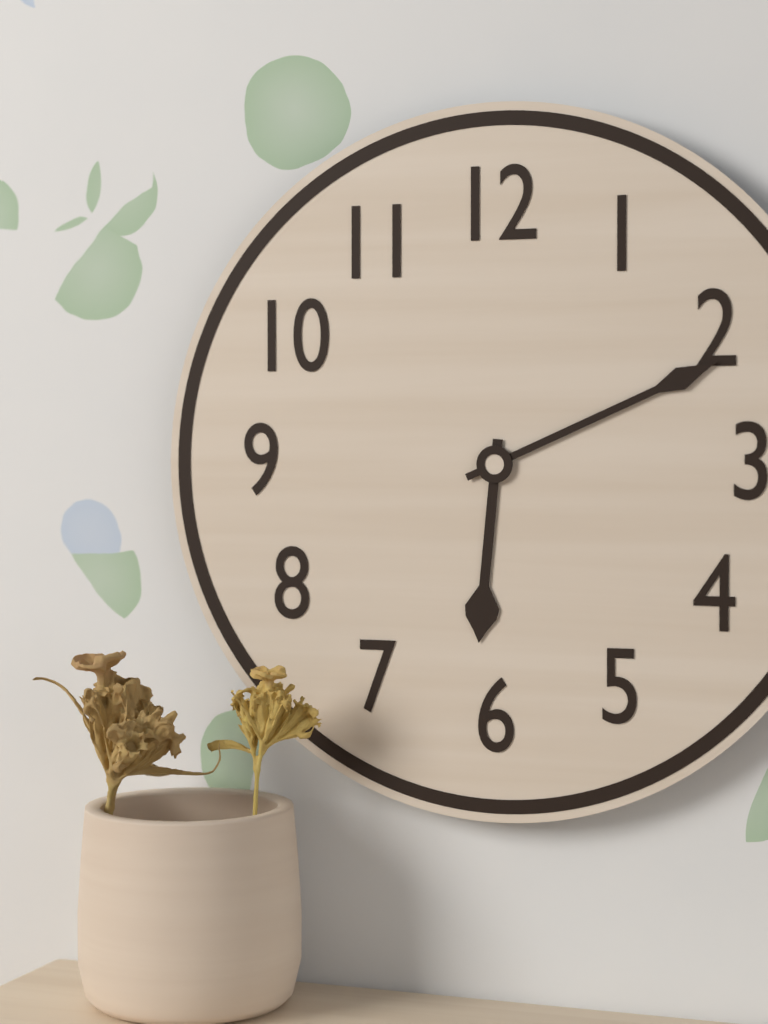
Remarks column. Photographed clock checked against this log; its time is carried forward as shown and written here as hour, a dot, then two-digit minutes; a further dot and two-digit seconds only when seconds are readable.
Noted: 6.11
